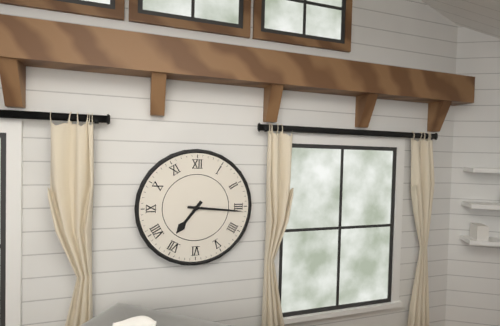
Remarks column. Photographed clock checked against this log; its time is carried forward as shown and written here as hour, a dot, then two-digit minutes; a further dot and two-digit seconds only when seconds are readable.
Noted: 7.16
